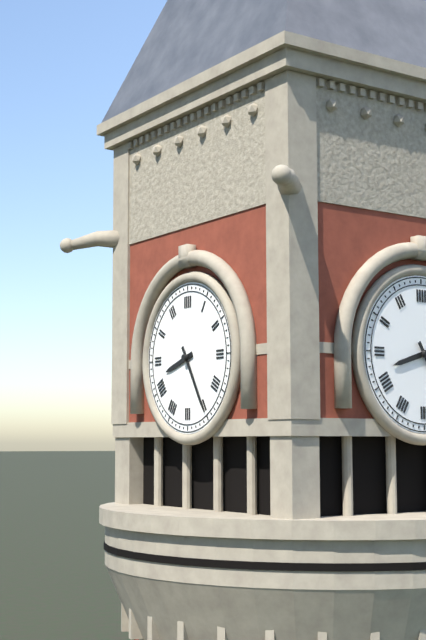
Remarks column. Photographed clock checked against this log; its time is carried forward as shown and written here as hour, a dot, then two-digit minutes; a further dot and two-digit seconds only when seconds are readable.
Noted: 8.25
